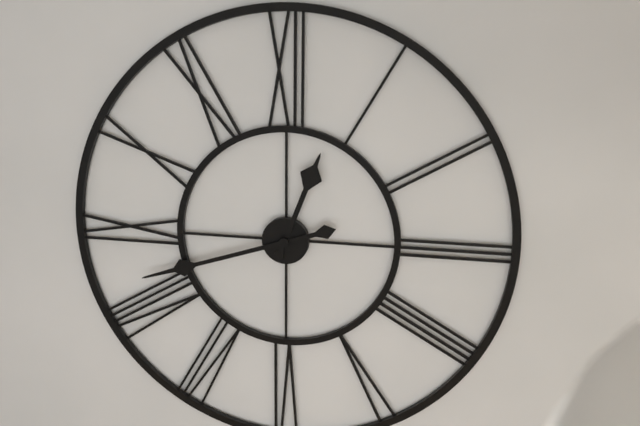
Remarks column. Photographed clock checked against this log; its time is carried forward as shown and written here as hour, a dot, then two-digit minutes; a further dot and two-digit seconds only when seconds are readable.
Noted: 12.42
